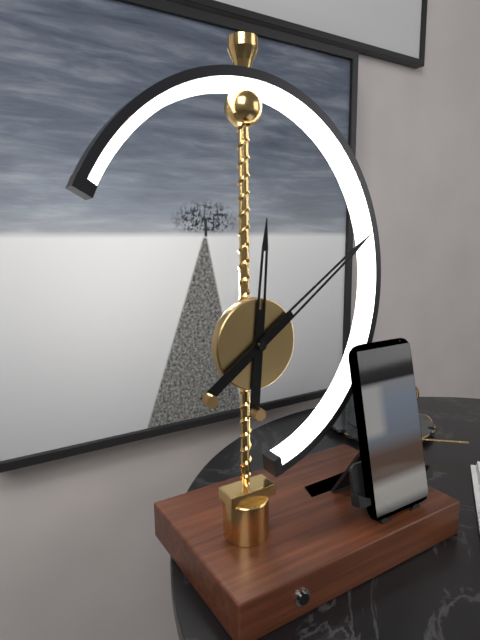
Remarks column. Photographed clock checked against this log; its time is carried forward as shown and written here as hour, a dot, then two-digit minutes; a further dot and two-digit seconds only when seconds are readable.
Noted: 12.09
